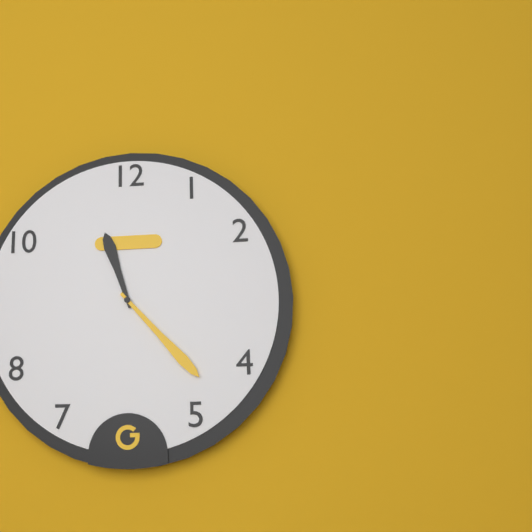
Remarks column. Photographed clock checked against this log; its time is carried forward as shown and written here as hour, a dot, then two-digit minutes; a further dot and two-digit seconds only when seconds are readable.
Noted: 11.23
